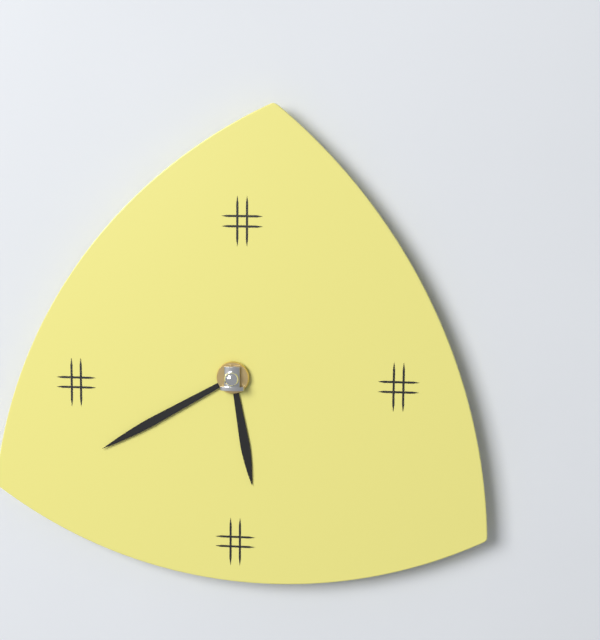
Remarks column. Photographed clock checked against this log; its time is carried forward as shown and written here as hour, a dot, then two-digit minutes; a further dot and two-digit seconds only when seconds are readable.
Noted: 5.40
